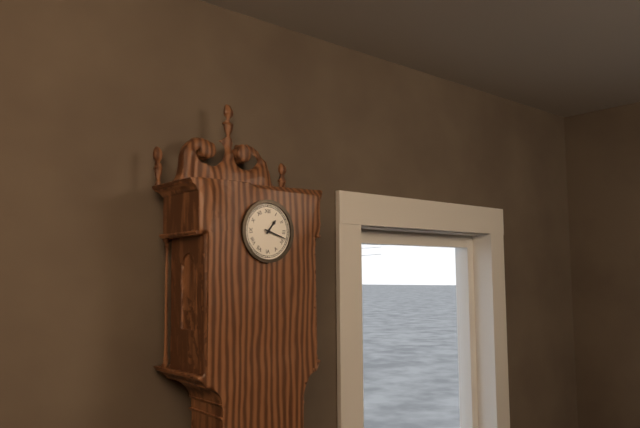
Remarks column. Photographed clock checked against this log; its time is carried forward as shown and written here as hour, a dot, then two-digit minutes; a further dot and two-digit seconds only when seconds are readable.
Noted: 1.18
